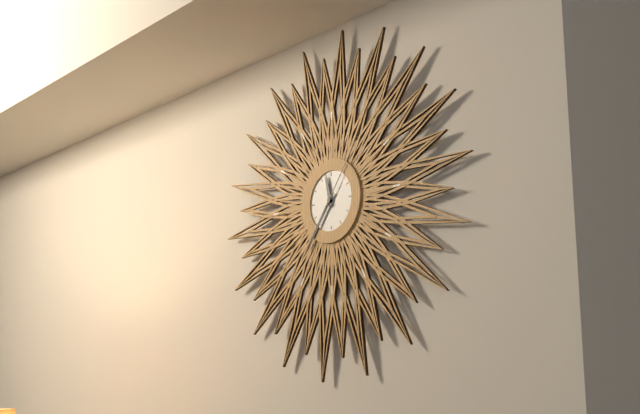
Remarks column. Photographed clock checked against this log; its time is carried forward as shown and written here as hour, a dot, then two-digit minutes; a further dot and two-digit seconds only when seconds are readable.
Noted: 11.36.06
